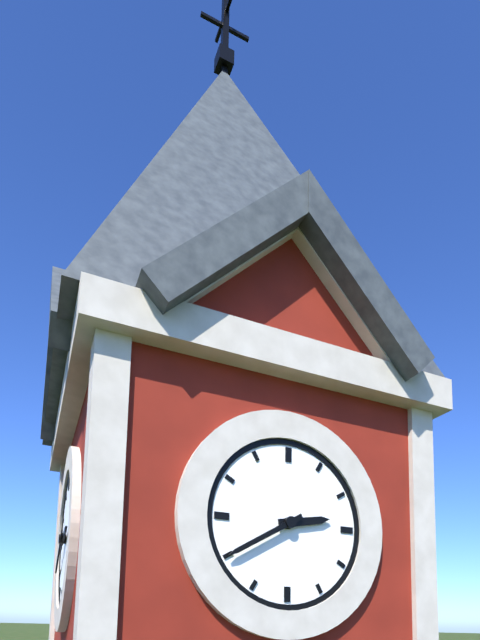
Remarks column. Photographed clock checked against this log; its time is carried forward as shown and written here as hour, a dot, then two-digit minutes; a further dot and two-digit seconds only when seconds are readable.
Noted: 2.40
